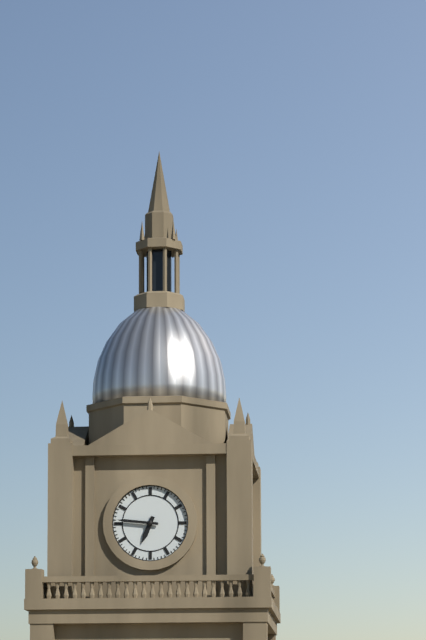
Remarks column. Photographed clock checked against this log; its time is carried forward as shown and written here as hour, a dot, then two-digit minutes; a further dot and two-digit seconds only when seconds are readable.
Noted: 6.46
